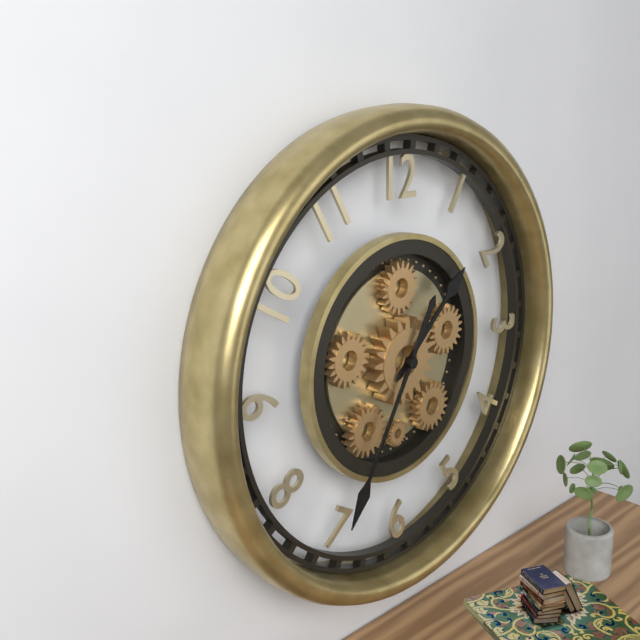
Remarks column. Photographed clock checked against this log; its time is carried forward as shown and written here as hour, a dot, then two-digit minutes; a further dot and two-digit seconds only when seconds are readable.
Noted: 1.35
